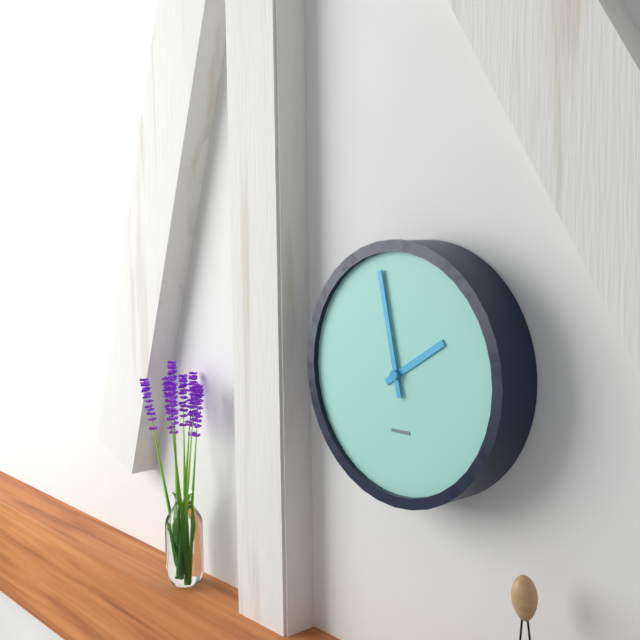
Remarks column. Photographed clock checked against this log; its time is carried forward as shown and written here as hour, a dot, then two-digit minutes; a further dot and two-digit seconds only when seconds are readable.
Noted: 1.58
